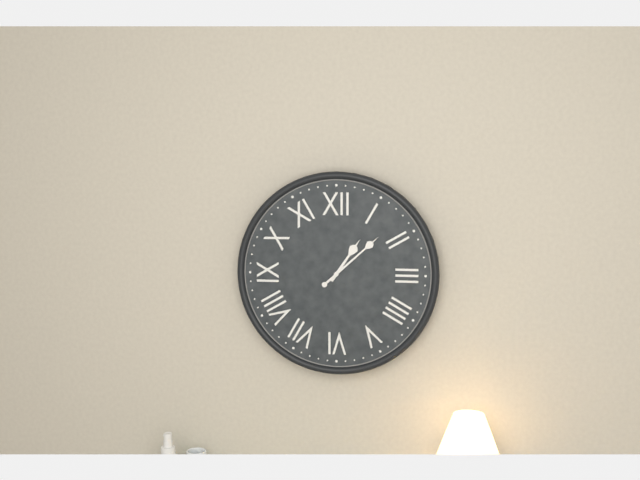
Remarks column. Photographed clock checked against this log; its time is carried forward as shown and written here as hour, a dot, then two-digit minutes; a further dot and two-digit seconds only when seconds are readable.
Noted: 1.08
